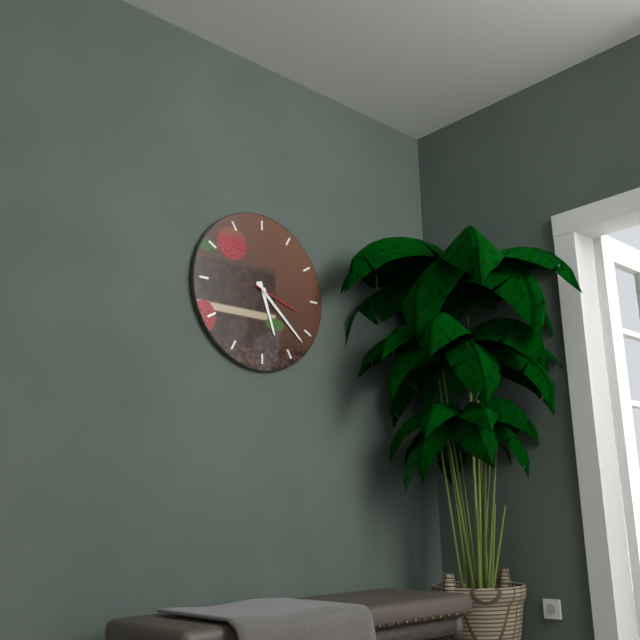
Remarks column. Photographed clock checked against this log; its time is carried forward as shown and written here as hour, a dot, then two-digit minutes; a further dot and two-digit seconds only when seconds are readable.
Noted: 5.22.18
